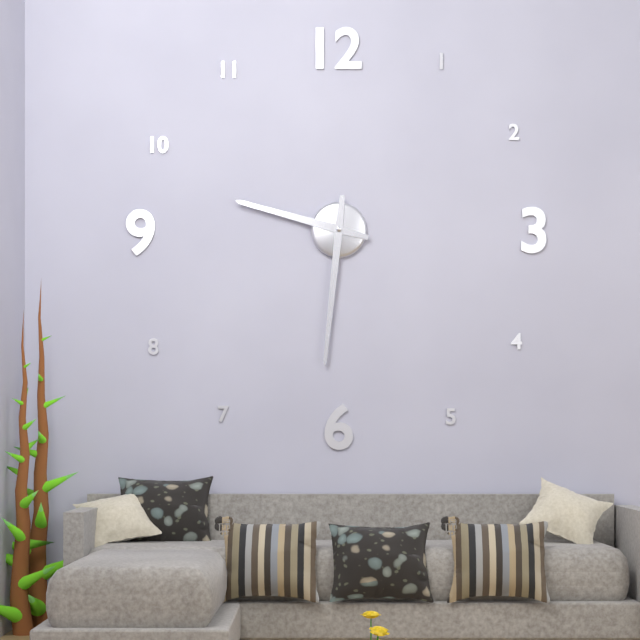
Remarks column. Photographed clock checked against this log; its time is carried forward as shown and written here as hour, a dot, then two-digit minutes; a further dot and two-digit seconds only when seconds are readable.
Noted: 9.31
